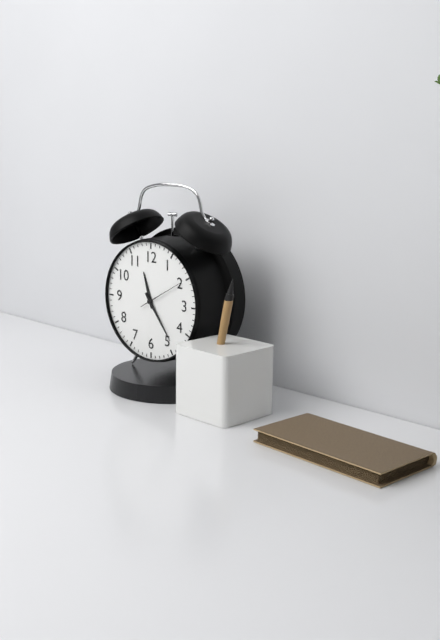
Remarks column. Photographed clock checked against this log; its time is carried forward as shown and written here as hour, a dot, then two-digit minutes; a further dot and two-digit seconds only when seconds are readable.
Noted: 11.24
